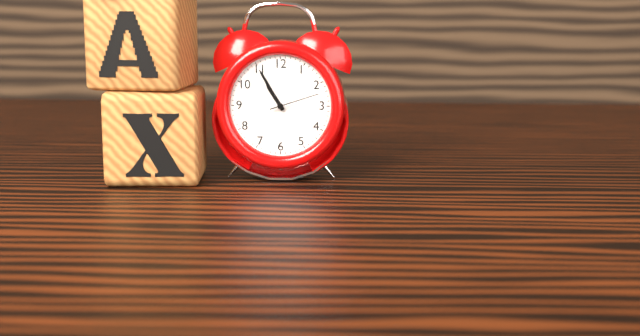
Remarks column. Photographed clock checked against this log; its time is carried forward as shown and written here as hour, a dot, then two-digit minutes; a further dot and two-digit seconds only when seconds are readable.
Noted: 10.55.12
